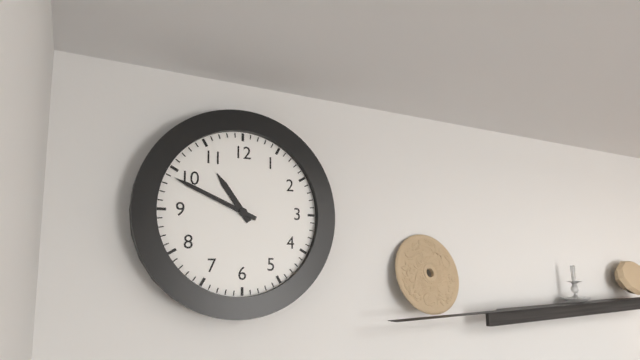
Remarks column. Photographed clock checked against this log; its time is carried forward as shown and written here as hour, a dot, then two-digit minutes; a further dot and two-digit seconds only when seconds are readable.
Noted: 10.49
